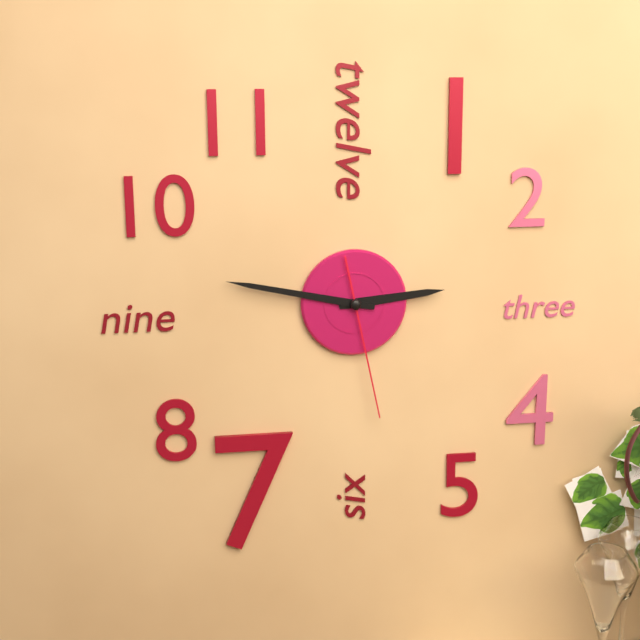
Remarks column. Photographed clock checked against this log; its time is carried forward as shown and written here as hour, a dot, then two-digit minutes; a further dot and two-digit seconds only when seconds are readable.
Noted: 2.47.28
